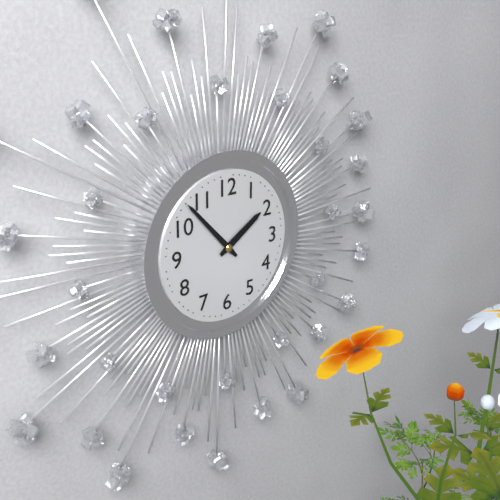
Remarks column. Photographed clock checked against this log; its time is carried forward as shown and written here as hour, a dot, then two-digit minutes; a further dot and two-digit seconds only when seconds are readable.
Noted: 1.53
